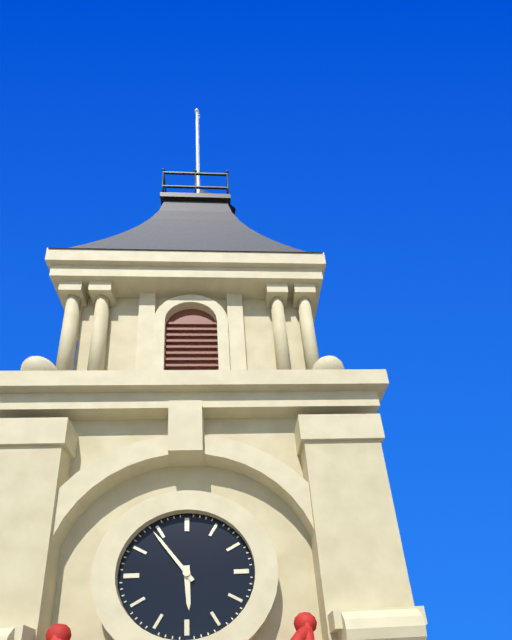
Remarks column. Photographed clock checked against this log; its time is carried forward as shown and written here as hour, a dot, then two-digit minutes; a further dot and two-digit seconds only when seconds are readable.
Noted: 5.54
